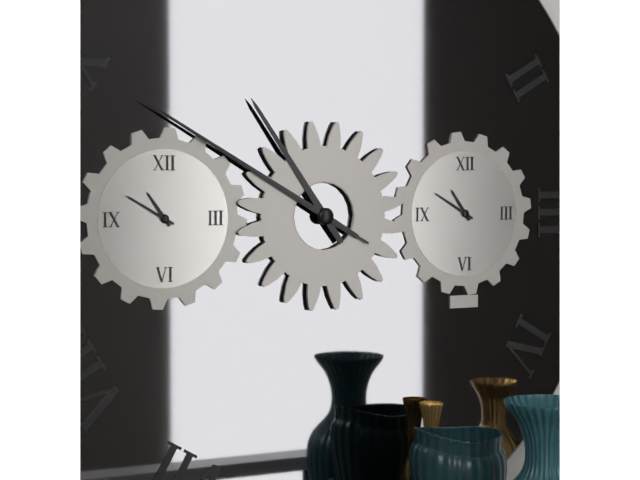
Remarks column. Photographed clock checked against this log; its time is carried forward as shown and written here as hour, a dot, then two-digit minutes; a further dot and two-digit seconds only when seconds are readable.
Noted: 10.50.50
